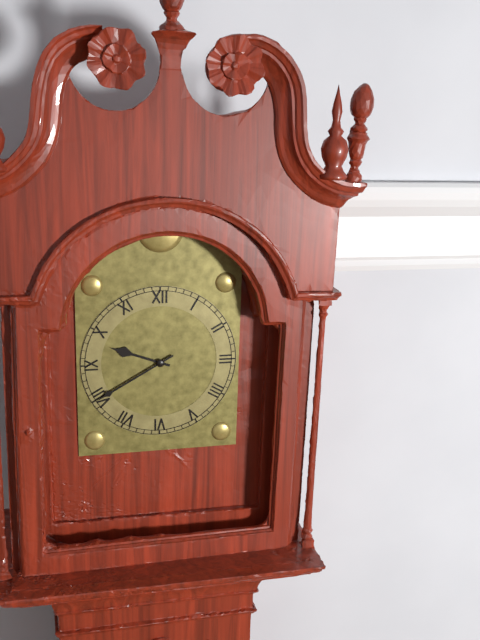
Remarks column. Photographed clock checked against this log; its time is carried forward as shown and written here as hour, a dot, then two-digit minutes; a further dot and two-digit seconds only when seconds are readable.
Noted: 9.40
